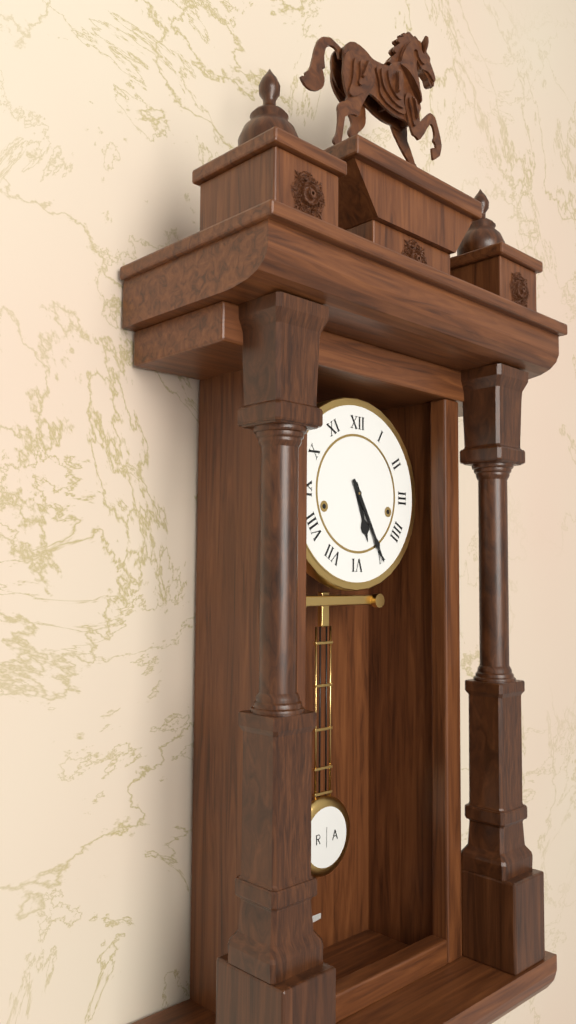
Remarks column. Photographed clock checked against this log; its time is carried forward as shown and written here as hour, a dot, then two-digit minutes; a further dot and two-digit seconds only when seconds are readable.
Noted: 5.25
